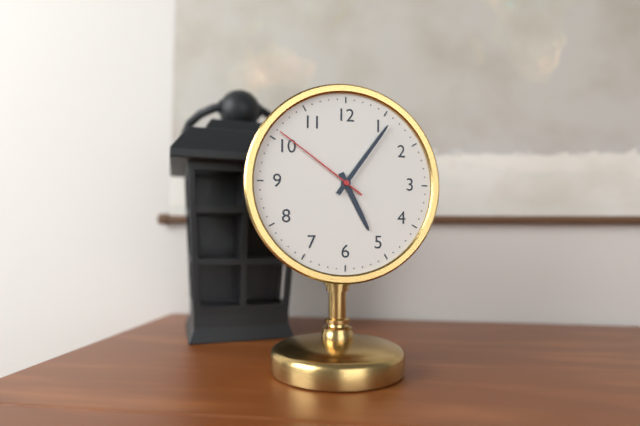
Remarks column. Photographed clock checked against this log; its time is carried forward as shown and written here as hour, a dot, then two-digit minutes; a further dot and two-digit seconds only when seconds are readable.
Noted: 5.06.51
